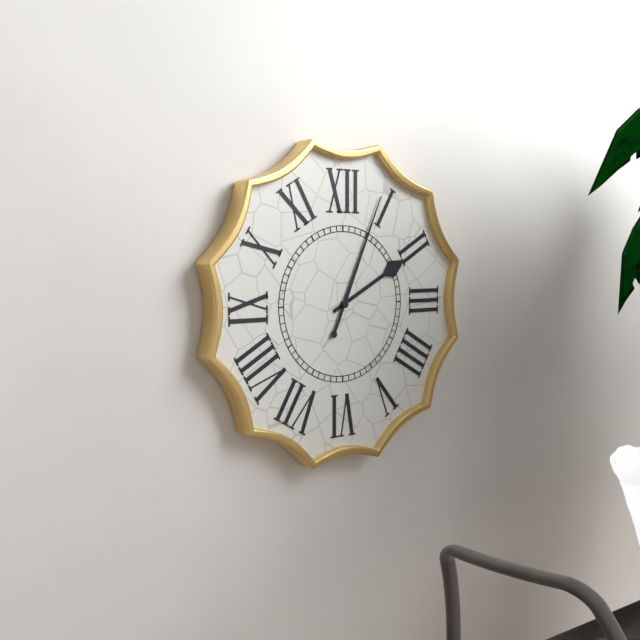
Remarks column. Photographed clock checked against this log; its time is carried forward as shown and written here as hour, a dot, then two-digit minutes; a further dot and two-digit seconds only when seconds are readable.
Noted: 2.04
